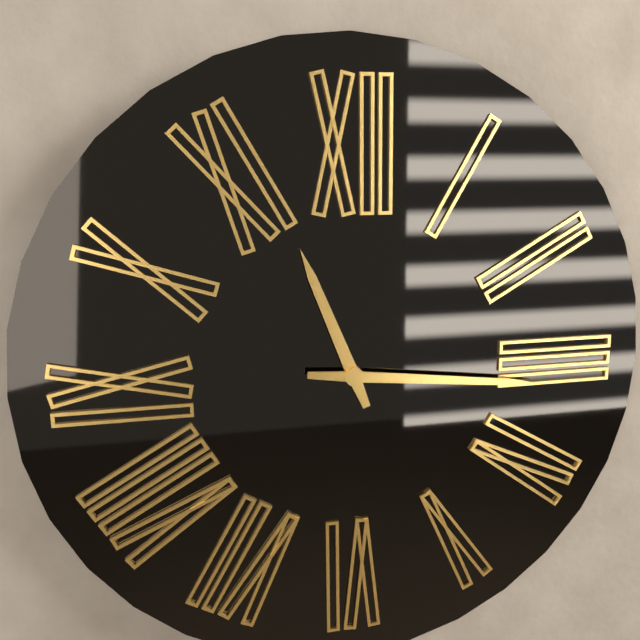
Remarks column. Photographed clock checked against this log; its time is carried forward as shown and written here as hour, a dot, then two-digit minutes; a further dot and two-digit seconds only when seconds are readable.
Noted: 11.16
